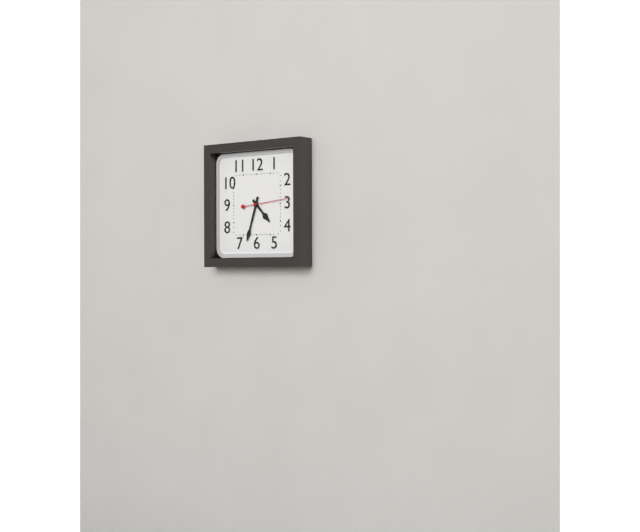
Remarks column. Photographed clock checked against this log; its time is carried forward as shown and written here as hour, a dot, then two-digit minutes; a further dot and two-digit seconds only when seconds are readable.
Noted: 4.33
